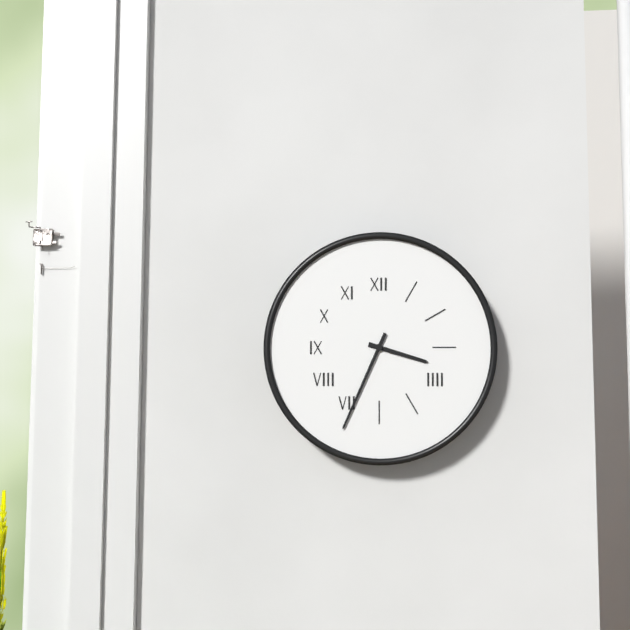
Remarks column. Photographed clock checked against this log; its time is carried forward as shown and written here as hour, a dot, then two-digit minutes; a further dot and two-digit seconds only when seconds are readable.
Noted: 3.34
